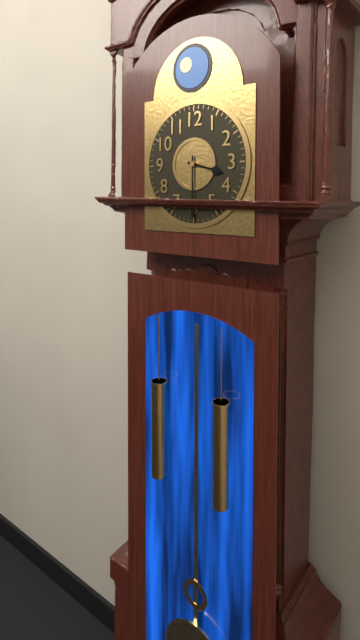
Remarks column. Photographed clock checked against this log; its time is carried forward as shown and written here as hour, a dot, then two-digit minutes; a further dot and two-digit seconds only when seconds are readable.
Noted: 3.30
